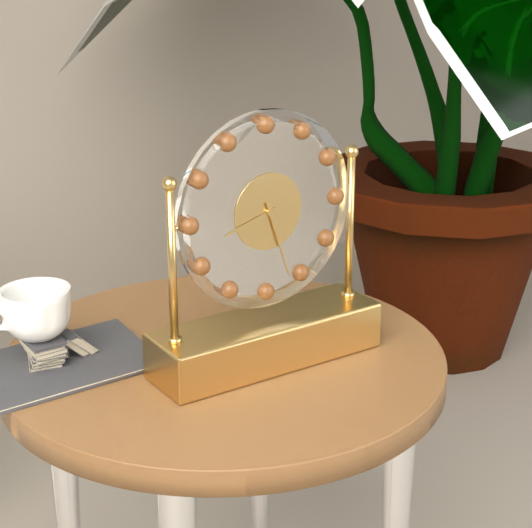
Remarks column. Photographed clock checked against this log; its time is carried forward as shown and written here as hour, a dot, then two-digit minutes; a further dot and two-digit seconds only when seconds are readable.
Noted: 8.27
